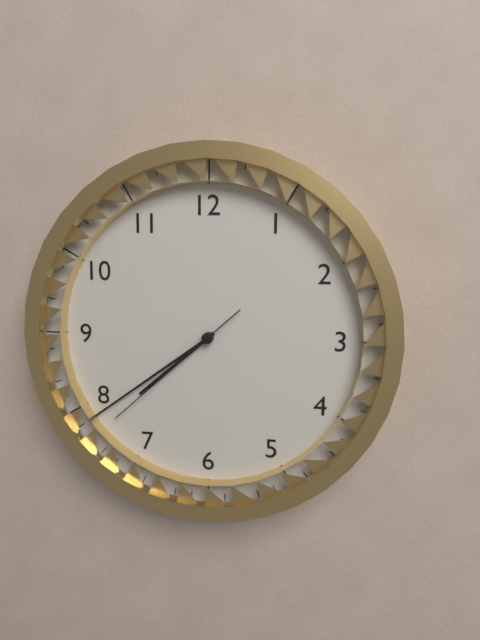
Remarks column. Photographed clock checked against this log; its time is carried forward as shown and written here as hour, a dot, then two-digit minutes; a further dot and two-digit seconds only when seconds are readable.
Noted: 7.39.38
